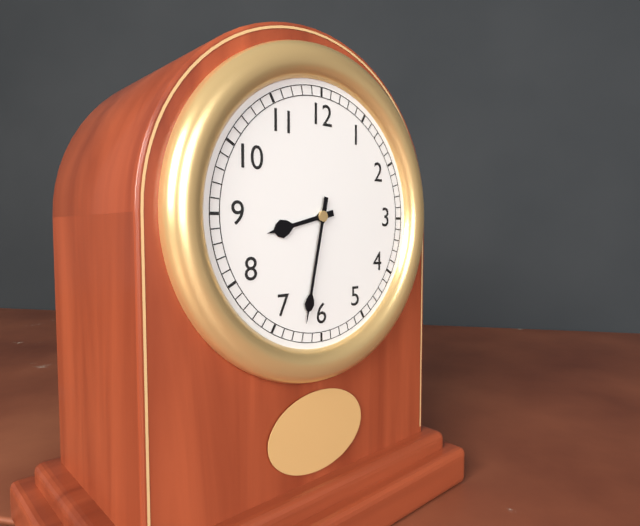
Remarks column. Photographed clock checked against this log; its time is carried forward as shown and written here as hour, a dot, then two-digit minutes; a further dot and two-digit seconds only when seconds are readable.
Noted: 8.32
